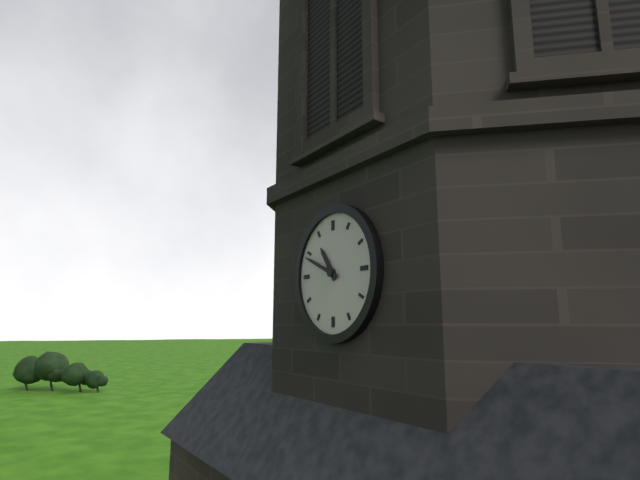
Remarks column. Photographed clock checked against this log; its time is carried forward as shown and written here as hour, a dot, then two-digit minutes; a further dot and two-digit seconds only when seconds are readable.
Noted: 10.49
